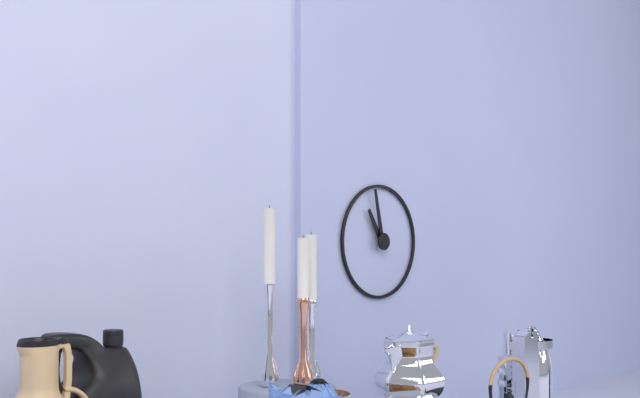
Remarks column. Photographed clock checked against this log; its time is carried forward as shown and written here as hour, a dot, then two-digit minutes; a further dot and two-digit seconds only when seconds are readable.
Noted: 10.58
